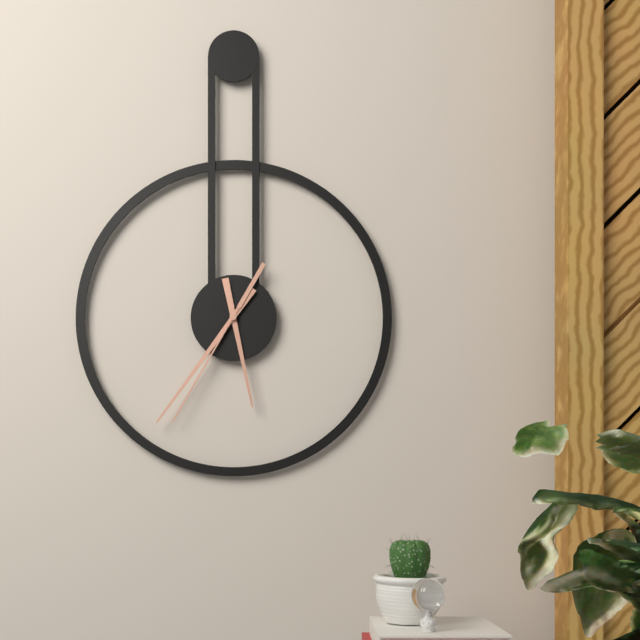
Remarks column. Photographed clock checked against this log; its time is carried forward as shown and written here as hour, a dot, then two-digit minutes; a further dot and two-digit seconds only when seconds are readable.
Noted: 5.36.35
